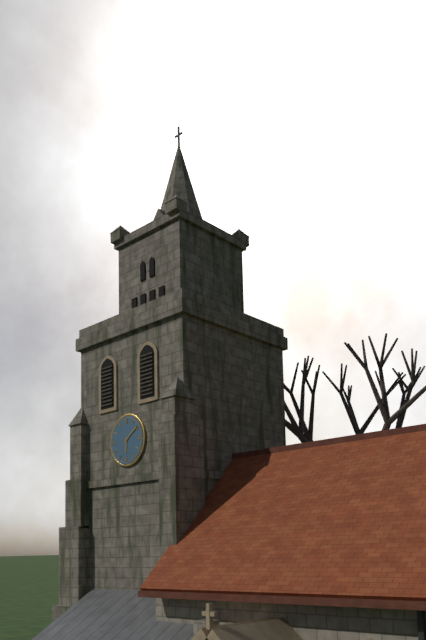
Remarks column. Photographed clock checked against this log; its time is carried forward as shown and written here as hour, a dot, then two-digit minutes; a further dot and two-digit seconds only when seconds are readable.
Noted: 6.09
